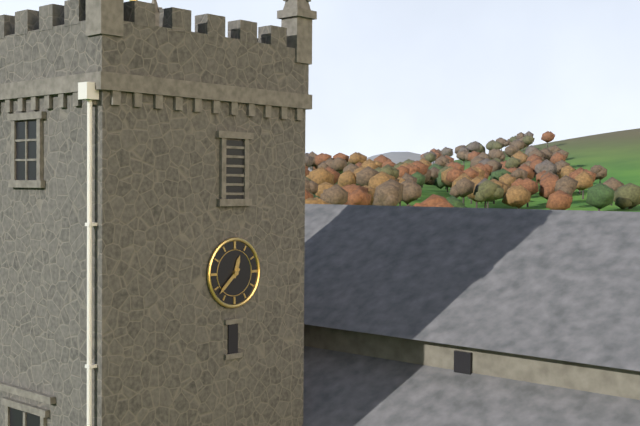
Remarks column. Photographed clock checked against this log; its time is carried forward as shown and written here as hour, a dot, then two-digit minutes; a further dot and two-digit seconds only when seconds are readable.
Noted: 12.38
